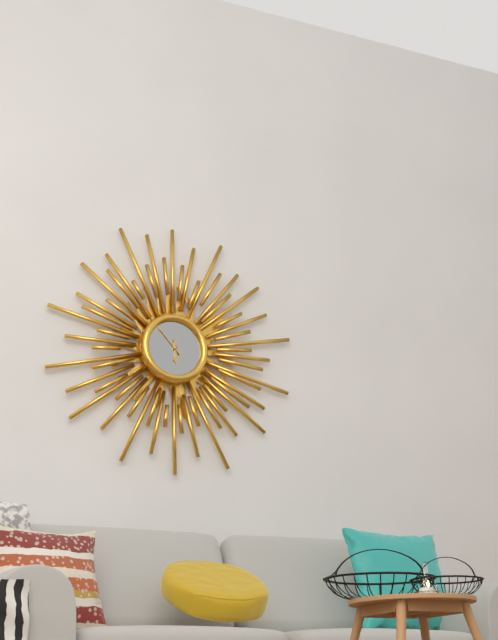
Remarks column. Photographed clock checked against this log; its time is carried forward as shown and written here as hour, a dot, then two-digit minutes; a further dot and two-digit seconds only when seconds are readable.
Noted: 5.53
